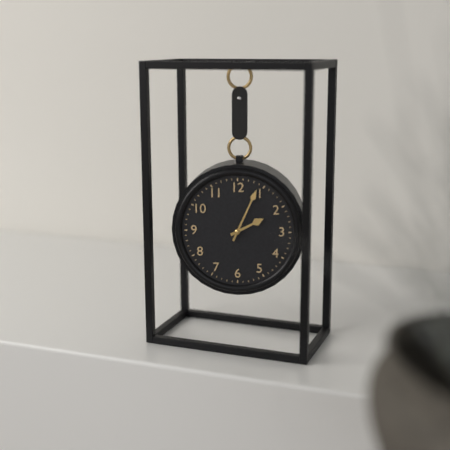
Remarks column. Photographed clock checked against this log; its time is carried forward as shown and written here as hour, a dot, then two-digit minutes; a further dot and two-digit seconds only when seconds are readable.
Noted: 2.04
